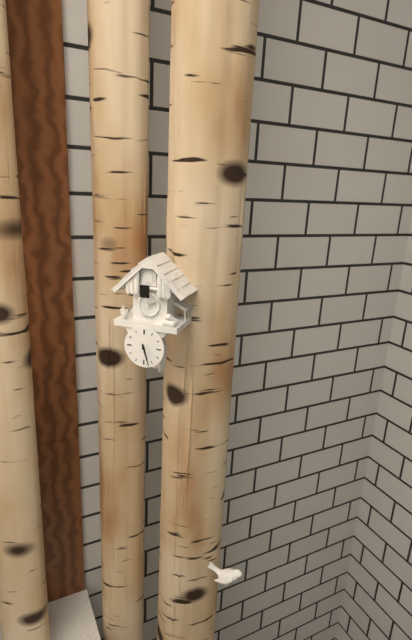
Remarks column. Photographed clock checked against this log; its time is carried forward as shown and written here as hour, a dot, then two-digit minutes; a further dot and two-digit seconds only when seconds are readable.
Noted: 5.27
